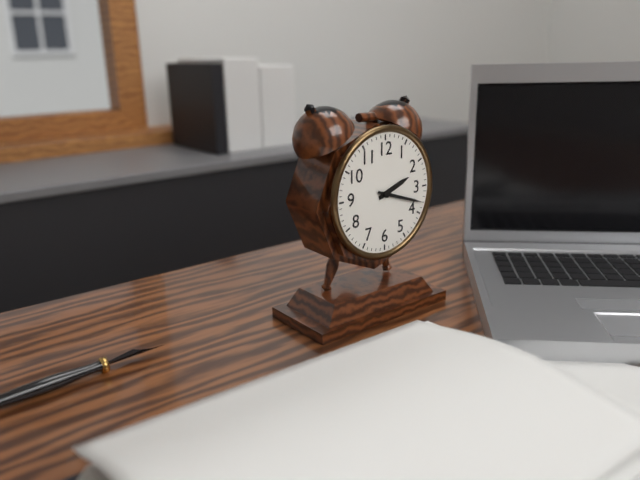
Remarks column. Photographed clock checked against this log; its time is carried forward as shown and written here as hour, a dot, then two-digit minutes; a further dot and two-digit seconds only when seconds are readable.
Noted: 2.18
